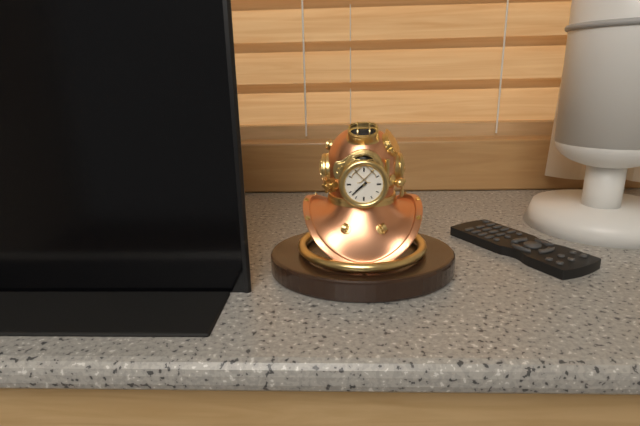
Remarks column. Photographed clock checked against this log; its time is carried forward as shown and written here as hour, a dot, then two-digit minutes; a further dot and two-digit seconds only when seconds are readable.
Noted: 7.38
